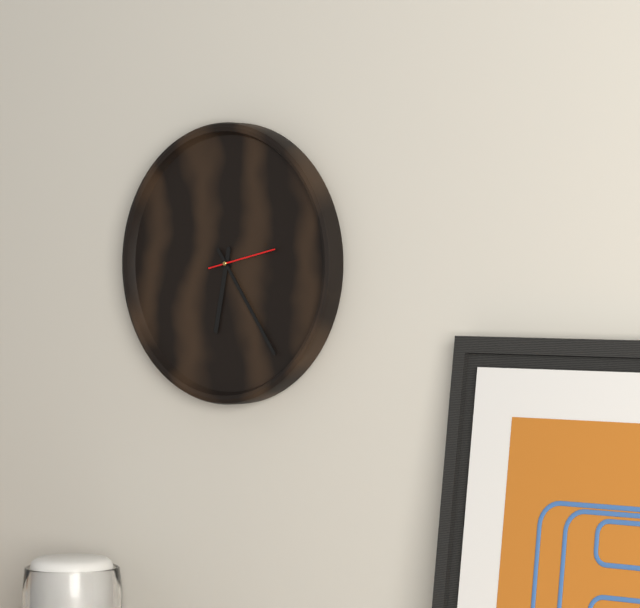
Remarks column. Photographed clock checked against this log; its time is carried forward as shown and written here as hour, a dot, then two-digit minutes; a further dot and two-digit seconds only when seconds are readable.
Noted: 6.24.13
